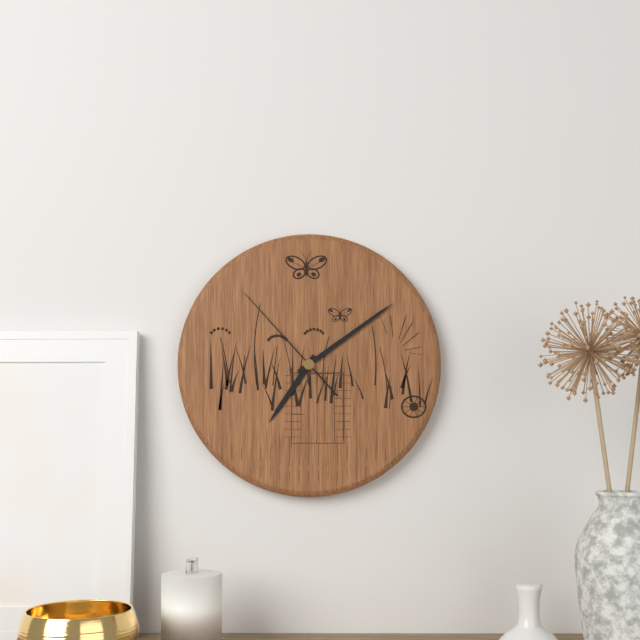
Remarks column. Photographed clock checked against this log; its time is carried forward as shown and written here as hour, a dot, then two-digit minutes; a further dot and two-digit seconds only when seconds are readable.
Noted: 7.09.53
